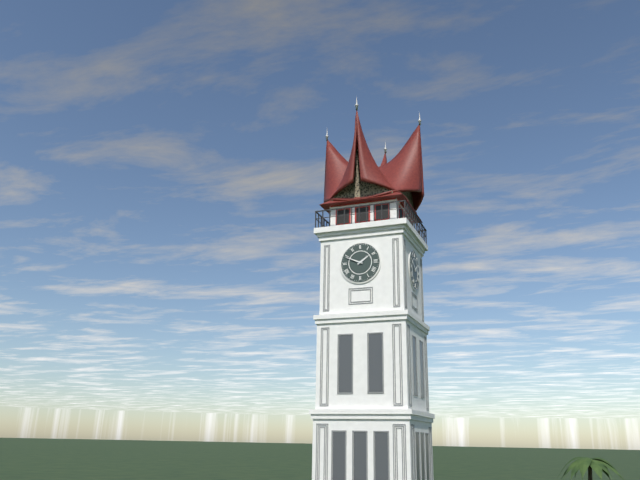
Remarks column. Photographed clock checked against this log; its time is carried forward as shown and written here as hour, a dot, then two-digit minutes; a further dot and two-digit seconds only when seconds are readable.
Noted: 1.49
